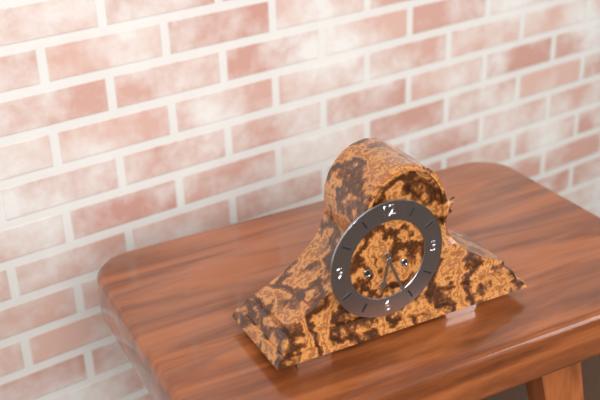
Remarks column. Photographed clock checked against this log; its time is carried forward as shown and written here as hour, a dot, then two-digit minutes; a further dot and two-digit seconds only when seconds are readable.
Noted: 6.26
